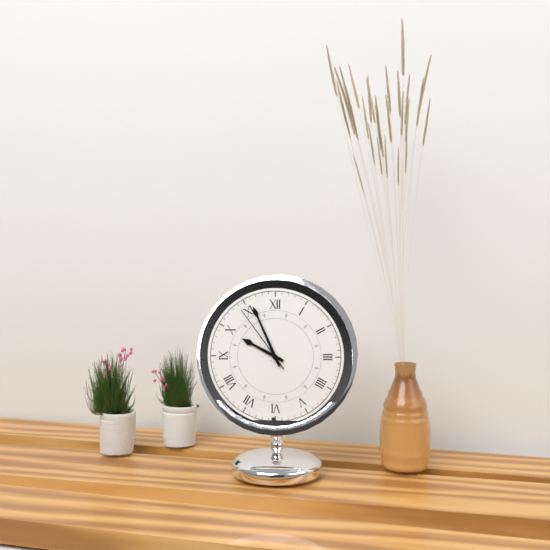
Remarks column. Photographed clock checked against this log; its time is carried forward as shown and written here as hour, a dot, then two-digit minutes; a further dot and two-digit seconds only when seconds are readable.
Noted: 9.56.54
